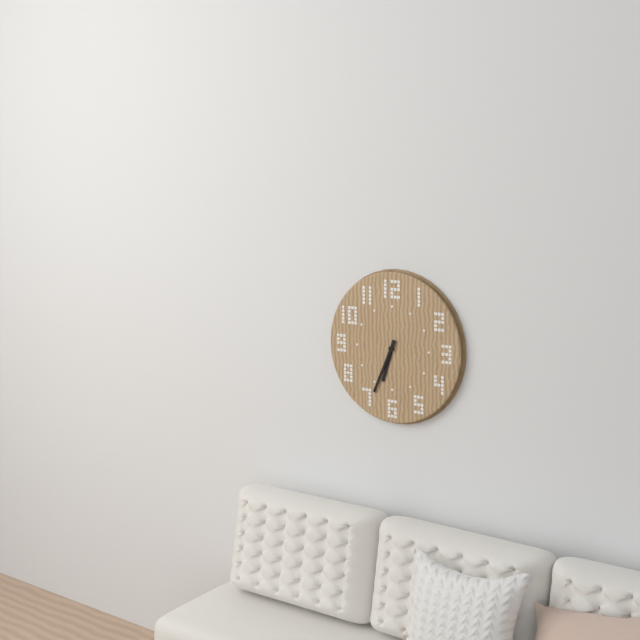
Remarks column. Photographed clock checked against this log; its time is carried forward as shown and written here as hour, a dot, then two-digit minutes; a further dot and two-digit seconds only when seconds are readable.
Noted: 6.34
